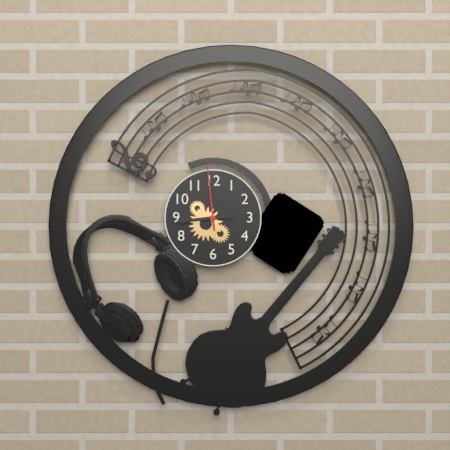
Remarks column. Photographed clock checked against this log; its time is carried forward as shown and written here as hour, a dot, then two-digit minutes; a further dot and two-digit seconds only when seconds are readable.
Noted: 2.44.59
